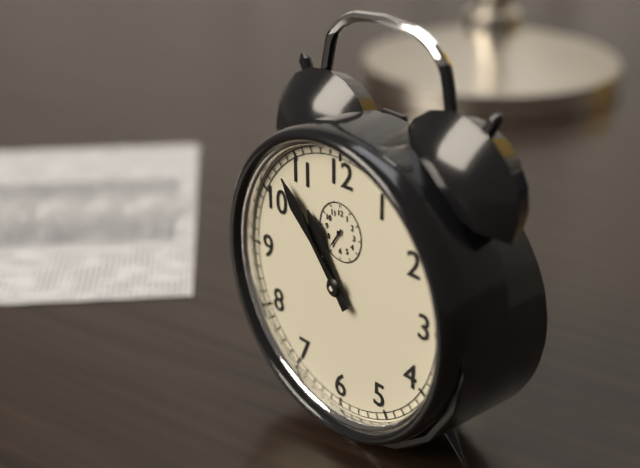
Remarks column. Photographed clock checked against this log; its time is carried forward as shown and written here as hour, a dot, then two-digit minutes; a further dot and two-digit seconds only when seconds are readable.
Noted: 10.53
